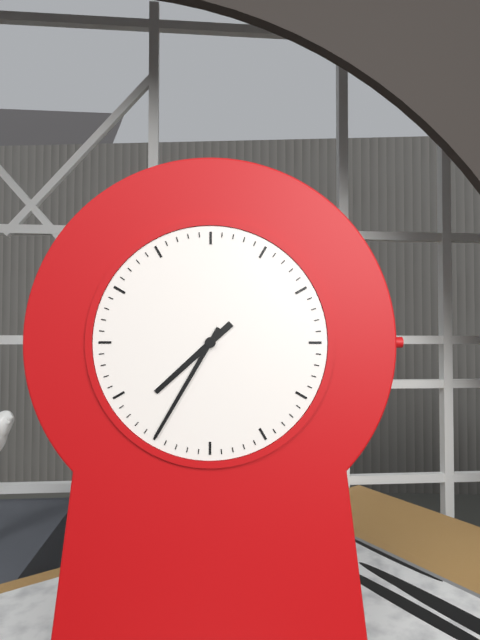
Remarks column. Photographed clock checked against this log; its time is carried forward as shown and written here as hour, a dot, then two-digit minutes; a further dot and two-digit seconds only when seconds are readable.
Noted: 7.35
